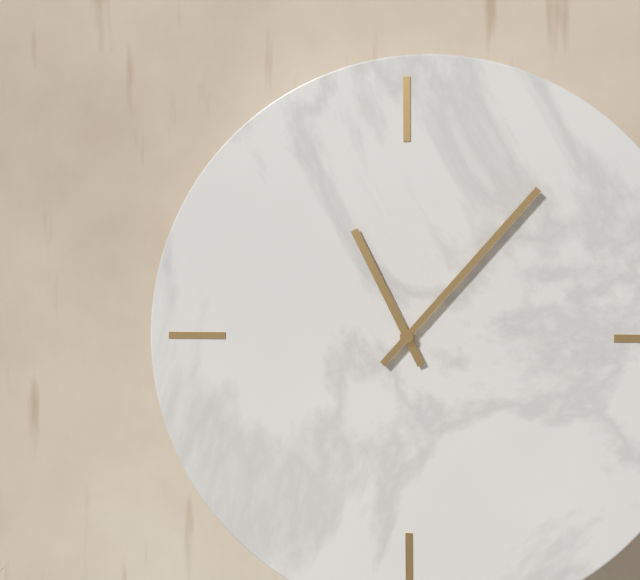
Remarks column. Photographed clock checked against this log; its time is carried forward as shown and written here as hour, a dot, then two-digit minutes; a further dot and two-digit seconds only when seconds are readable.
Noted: 11.07
